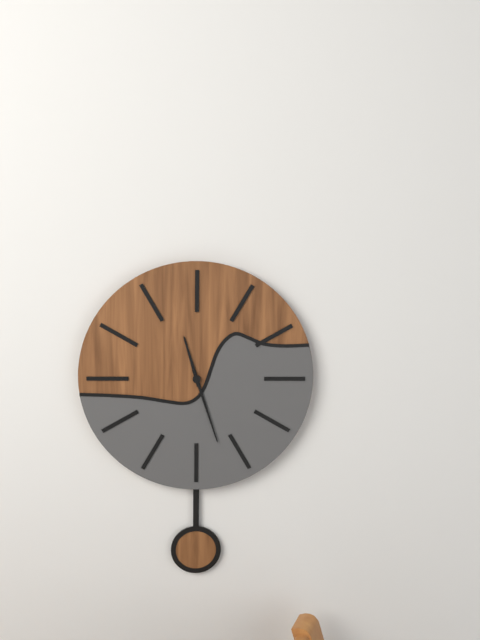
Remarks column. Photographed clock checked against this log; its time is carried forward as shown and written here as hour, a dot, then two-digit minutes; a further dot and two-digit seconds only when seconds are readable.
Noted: 11.27
